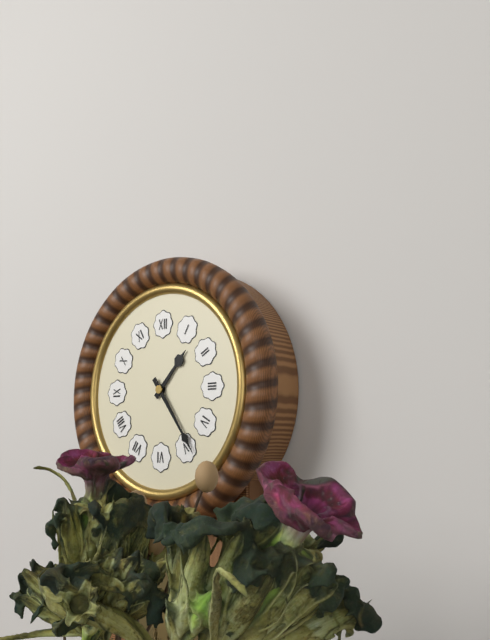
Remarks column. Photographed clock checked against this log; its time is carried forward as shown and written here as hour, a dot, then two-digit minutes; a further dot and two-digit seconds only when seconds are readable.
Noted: 1.24
